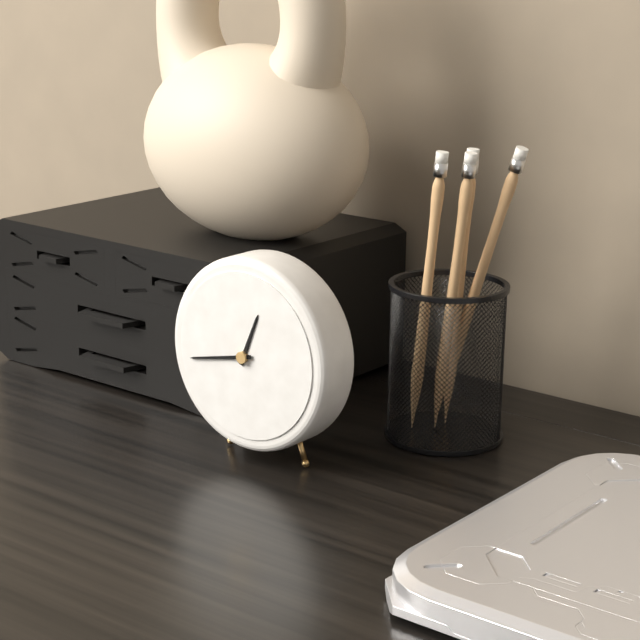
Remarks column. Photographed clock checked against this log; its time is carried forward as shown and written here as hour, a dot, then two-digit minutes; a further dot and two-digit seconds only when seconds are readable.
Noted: 12.43
